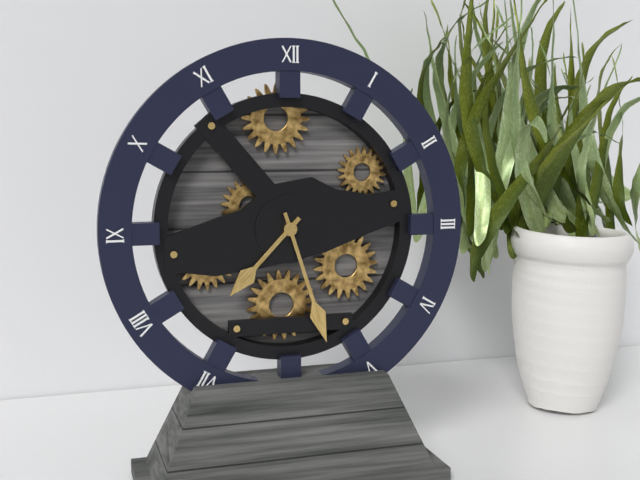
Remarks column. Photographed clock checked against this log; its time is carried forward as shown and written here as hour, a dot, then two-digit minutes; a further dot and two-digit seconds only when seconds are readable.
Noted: 7.27
